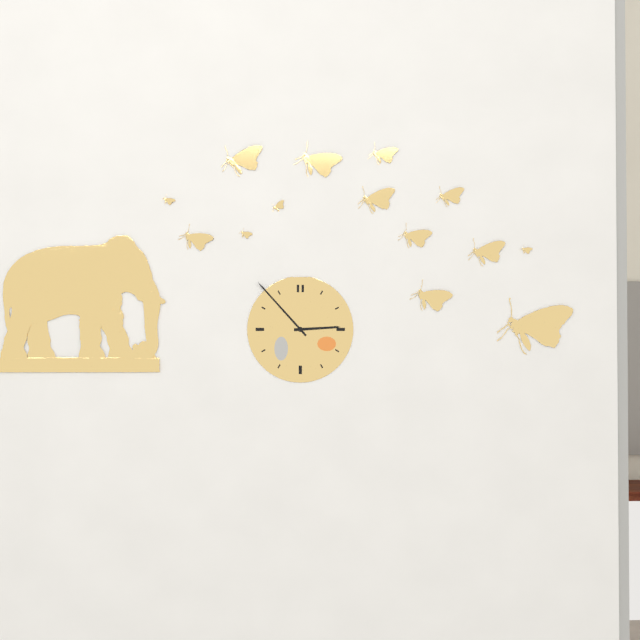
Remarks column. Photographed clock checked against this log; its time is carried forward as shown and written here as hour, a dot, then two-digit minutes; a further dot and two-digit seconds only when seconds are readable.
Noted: 2.53
